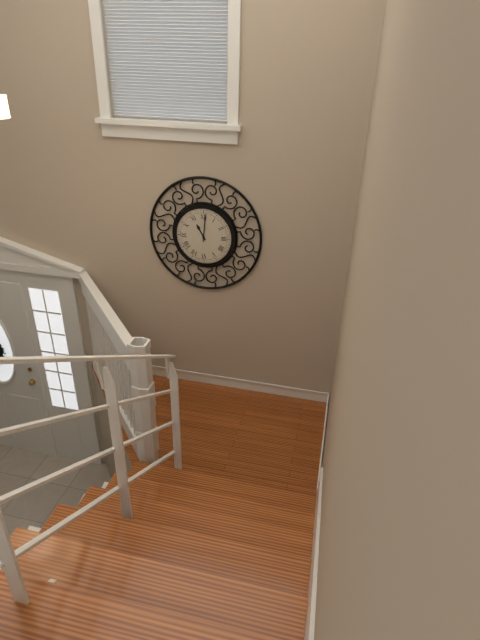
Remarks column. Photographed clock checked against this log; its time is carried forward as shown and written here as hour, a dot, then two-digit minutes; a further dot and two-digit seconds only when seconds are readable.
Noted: 11.01
